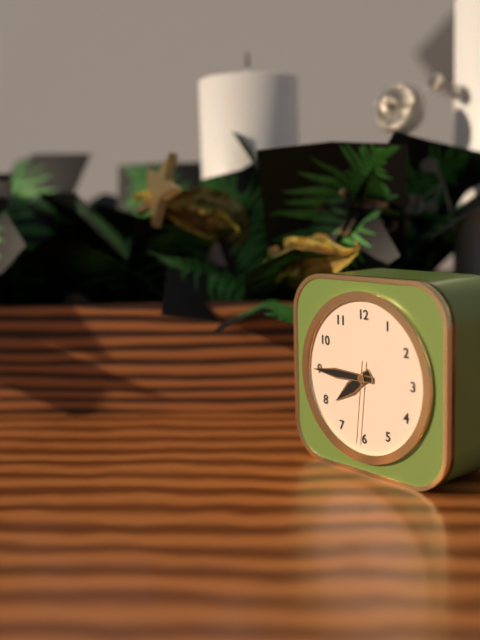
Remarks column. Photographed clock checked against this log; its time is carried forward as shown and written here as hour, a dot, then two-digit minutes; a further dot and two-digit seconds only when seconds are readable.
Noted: 7.45.31
